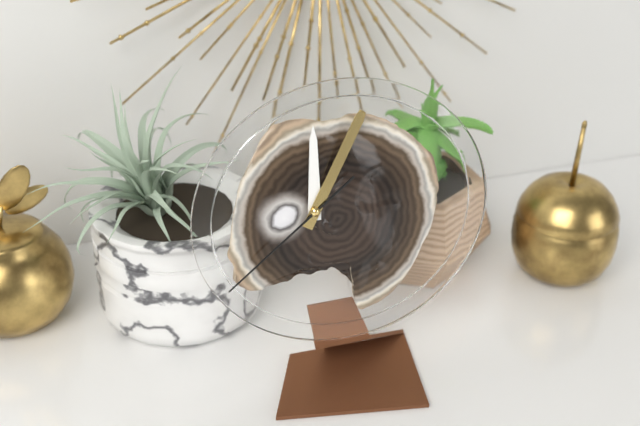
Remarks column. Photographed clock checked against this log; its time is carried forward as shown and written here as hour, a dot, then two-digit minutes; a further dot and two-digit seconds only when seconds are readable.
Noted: 12.05.39
